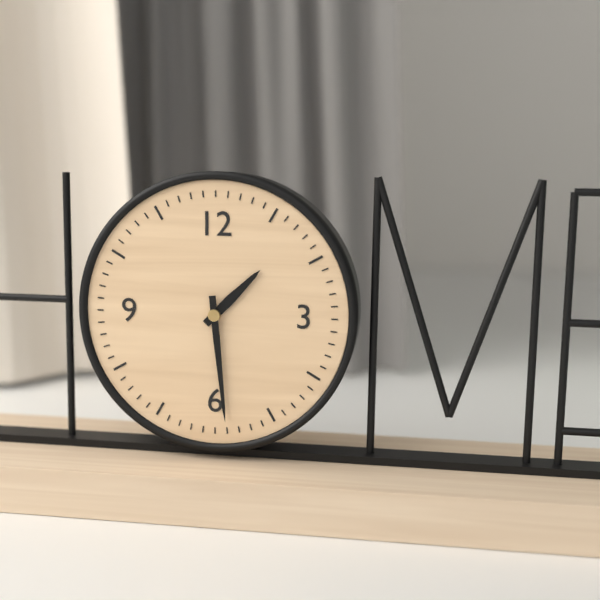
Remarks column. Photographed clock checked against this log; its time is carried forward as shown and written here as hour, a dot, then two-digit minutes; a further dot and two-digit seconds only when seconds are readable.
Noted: 1.29
